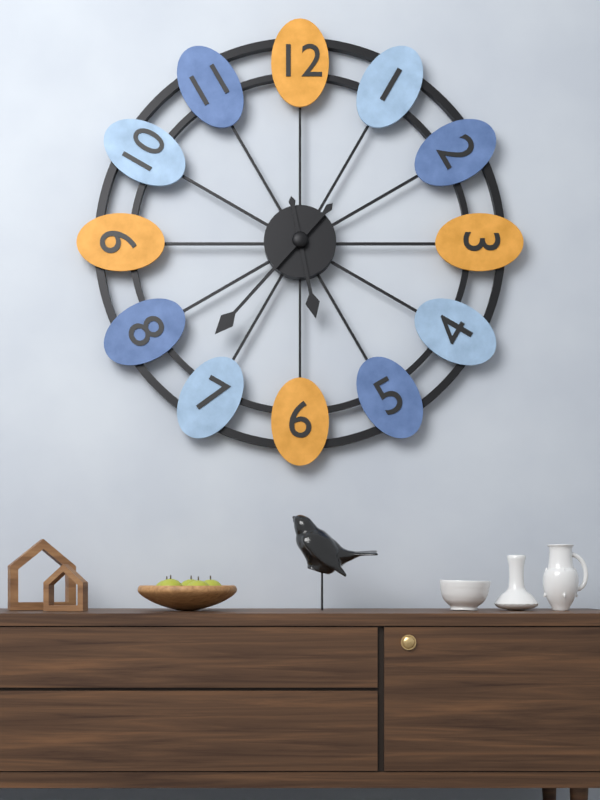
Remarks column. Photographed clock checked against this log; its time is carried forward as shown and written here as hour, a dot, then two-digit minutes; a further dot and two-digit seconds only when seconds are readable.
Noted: 5.37
